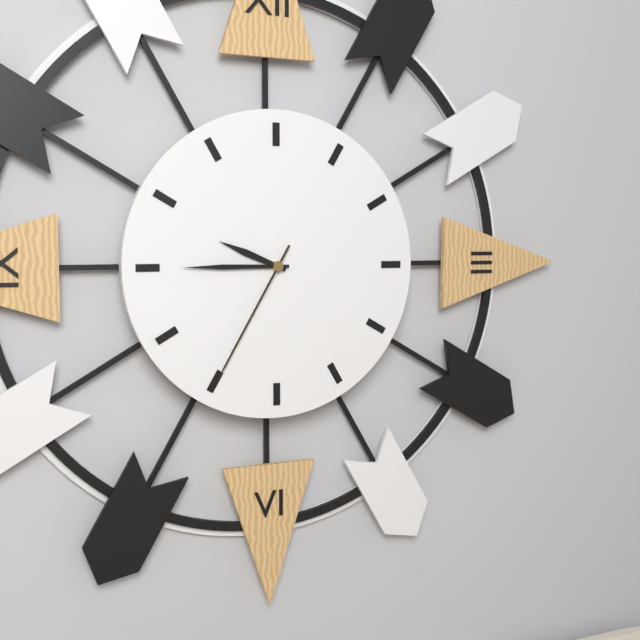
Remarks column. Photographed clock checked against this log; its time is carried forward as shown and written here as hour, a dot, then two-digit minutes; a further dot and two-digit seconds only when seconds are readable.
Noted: 9.45.35
